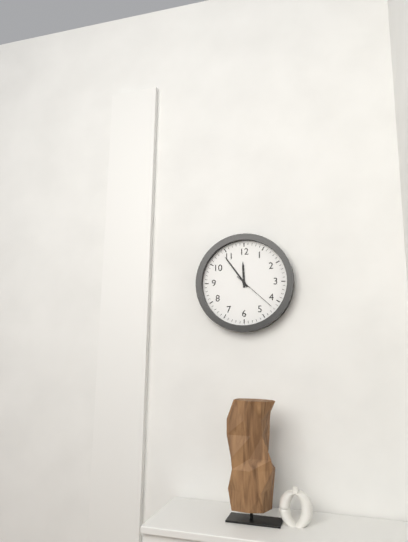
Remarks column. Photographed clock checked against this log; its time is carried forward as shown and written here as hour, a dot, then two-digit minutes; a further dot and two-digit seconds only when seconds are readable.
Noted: 11.54
